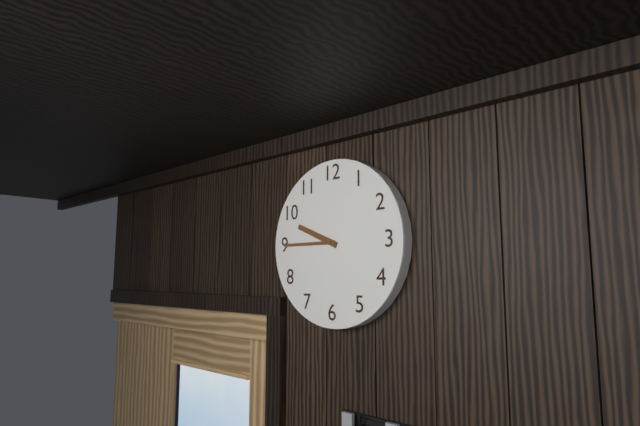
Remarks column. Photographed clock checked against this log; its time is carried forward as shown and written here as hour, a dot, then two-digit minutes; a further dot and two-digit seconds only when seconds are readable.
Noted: 9.45
